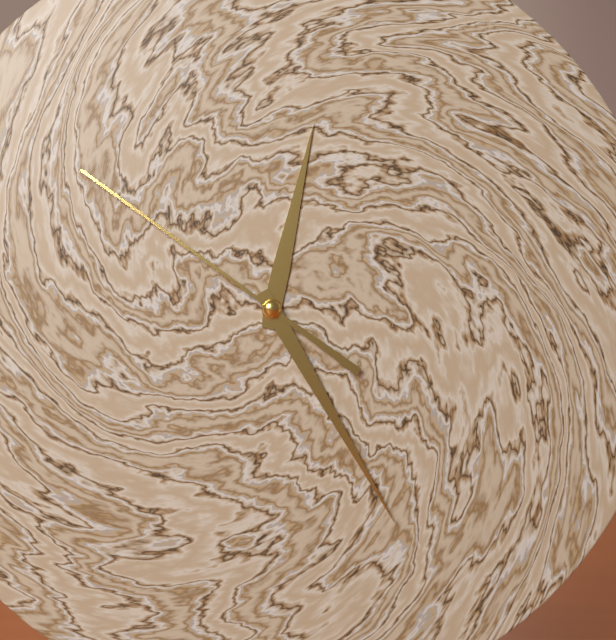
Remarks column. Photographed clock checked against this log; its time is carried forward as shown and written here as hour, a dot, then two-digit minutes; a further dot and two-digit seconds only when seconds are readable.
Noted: 12.25.51
